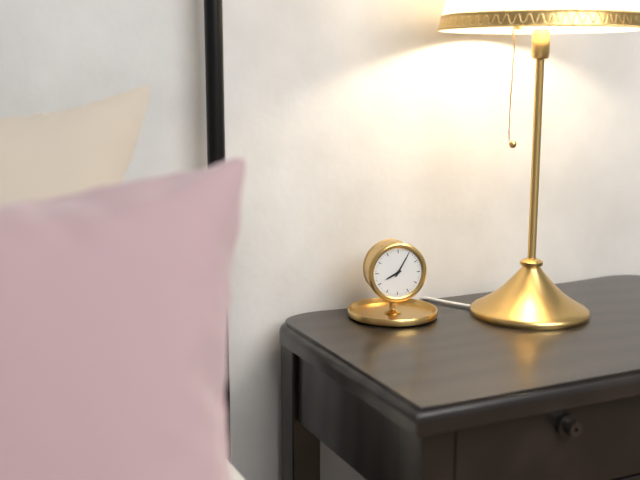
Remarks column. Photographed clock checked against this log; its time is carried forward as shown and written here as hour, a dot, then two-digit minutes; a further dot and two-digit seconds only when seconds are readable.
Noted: 8.05
